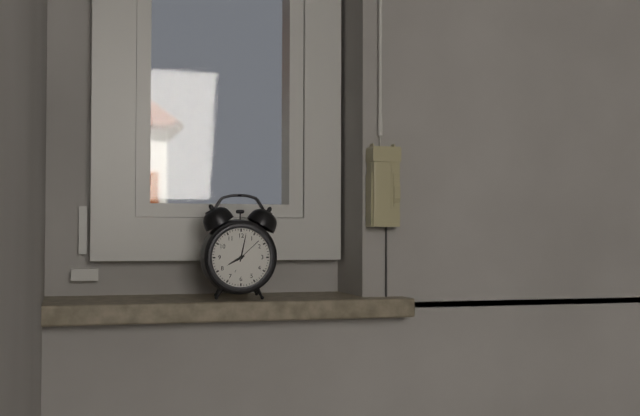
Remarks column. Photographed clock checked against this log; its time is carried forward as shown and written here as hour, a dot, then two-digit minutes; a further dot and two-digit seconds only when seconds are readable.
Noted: 8.02
